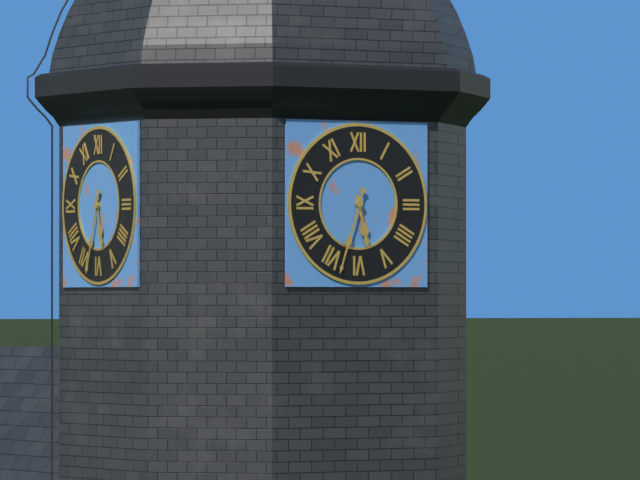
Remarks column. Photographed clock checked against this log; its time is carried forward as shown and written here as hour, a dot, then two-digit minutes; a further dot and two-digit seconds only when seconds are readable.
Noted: 5.33
